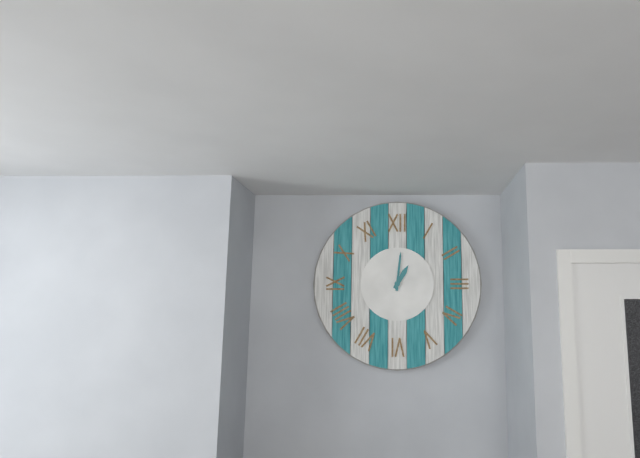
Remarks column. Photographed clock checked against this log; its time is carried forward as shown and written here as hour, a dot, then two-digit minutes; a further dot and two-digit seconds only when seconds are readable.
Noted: 1.01
